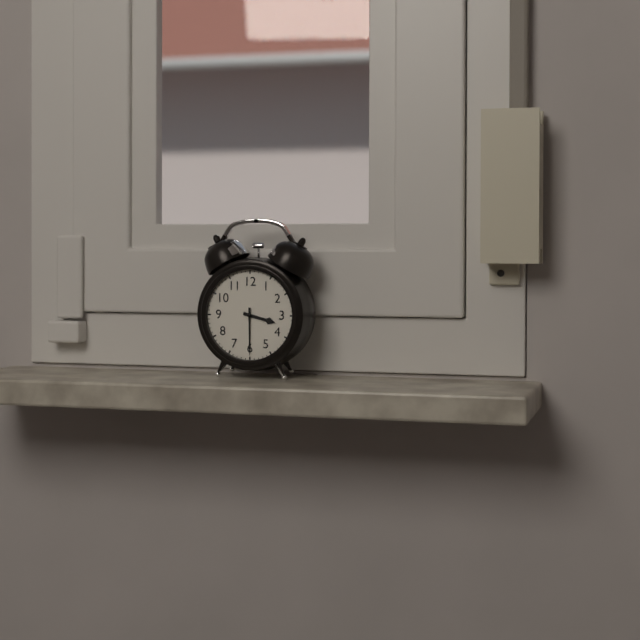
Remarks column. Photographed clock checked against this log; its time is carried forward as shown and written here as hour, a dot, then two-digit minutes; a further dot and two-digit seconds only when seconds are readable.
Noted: 3.30
